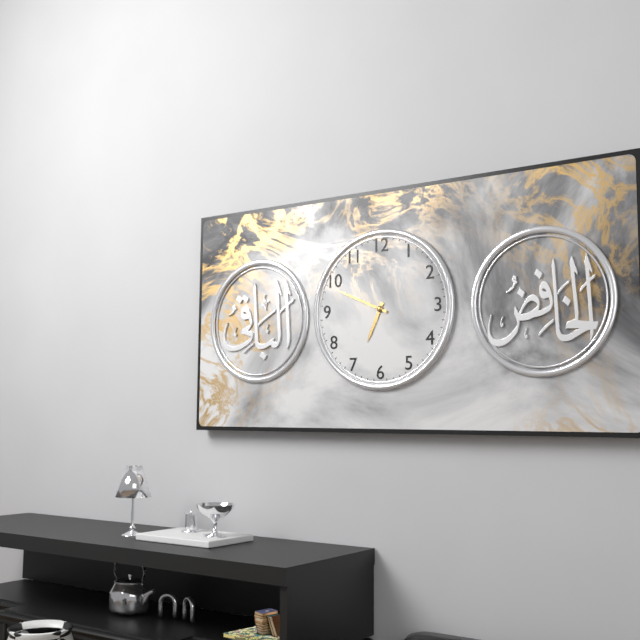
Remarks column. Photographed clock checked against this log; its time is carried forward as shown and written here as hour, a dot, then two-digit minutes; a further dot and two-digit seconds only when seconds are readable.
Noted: 6.49
